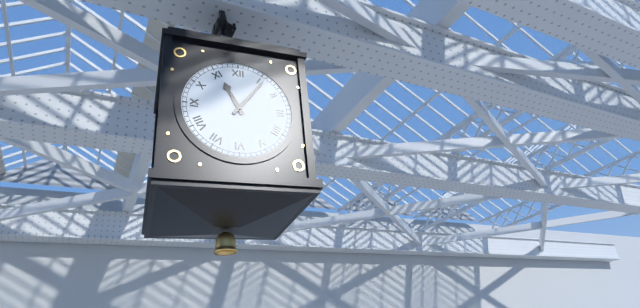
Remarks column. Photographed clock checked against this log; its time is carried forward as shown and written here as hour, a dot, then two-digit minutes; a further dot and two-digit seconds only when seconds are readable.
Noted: 11.06
